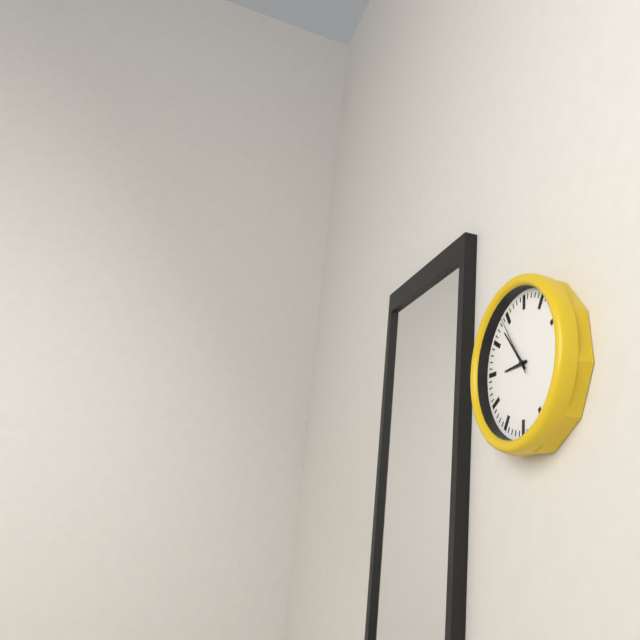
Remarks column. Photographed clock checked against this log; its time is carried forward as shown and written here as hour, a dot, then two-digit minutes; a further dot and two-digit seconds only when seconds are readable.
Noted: 8.53.54
